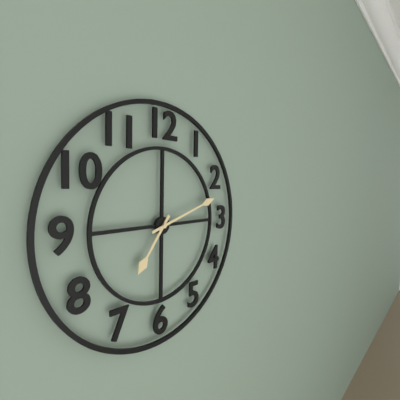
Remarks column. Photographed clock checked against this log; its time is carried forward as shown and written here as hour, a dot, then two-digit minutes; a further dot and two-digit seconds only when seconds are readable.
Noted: 7.12
